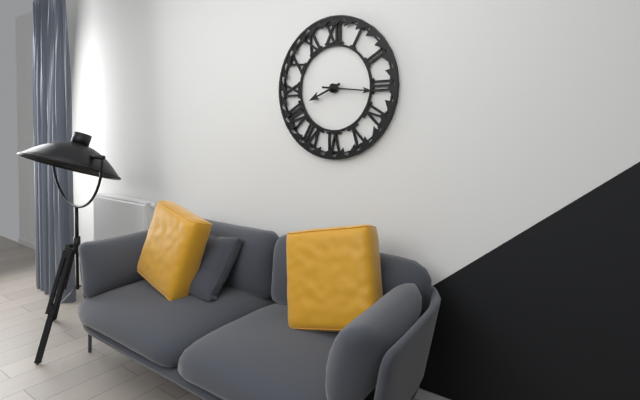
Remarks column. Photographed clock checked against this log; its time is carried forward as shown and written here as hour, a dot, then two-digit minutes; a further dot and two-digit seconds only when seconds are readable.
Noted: 8.16
